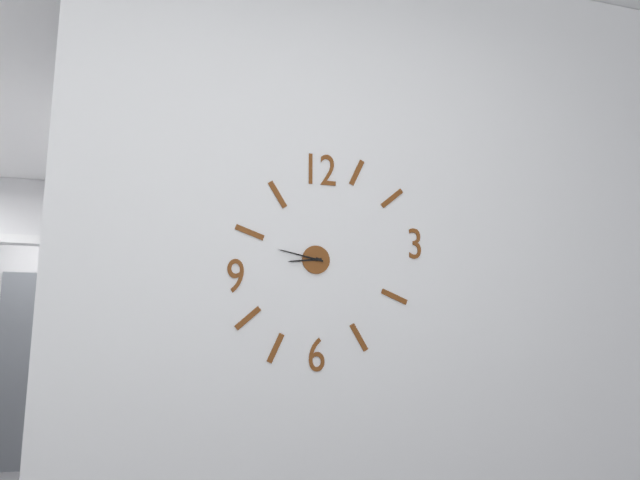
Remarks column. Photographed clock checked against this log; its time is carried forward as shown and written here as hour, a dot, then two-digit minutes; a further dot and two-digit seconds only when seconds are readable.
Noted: 8.47
